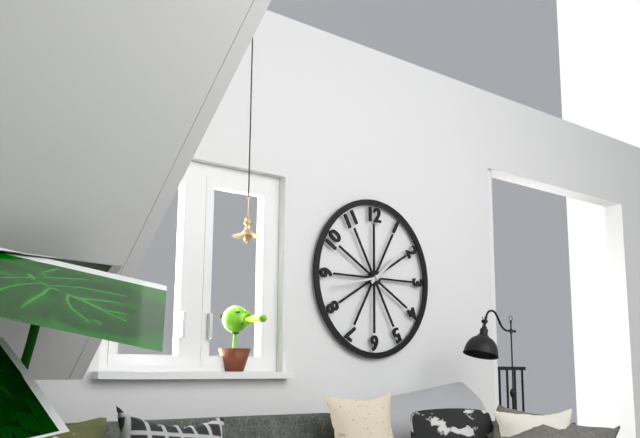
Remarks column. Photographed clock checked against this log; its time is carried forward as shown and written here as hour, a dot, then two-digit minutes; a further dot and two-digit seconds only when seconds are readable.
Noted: 1.43
